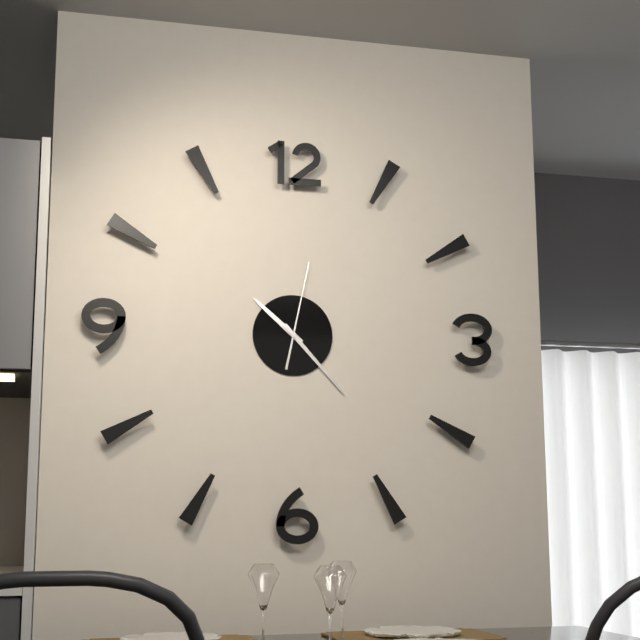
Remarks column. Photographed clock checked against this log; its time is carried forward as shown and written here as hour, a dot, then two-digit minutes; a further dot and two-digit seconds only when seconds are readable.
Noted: 10.23.02
